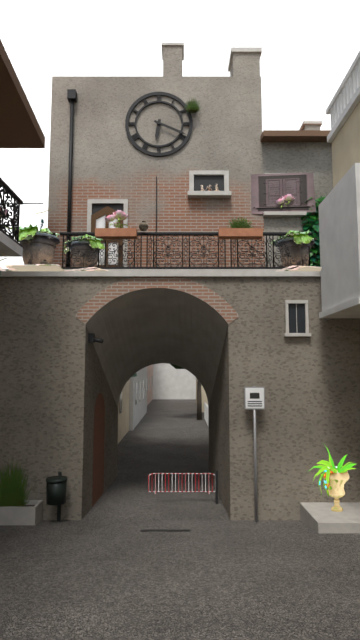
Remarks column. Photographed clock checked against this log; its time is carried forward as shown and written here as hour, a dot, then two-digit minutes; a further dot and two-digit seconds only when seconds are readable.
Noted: 6.19
